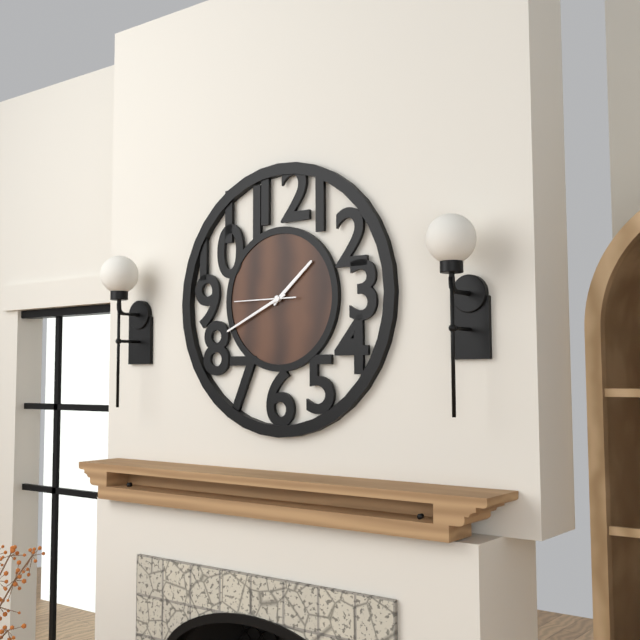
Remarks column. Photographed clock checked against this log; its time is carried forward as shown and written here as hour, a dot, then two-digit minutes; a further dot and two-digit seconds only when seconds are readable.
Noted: 1.41.45
